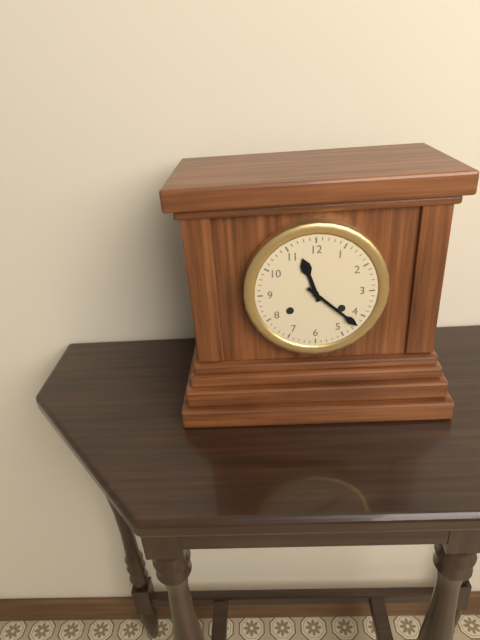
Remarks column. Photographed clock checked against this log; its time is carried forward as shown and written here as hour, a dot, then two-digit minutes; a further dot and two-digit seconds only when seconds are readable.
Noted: 11.22
